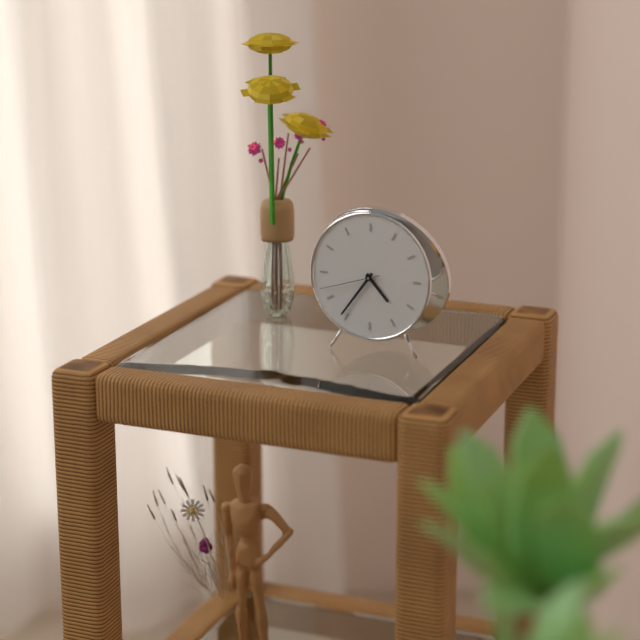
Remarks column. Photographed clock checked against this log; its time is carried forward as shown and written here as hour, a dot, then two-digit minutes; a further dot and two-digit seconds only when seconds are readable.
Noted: 4.36.42
